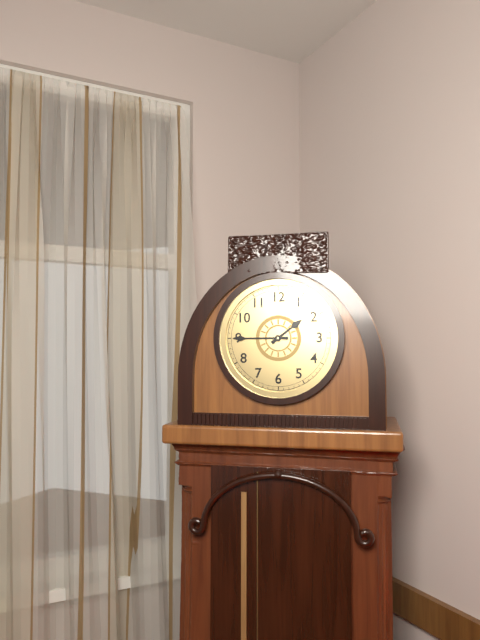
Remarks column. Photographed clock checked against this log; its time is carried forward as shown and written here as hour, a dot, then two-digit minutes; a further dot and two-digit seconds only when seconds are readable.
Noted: 1.45
